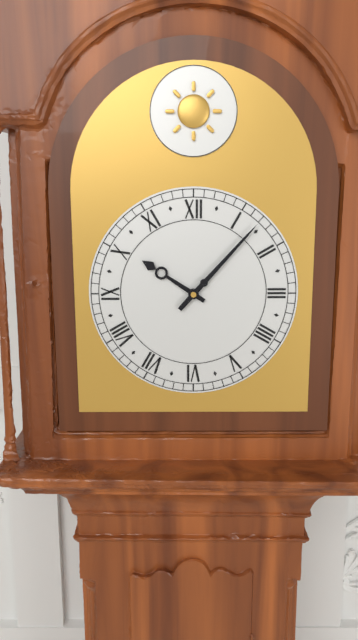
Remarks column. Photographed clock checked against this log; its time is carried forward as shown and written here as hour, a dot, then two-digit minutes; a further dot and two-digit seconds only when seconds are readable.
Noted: 10.07
